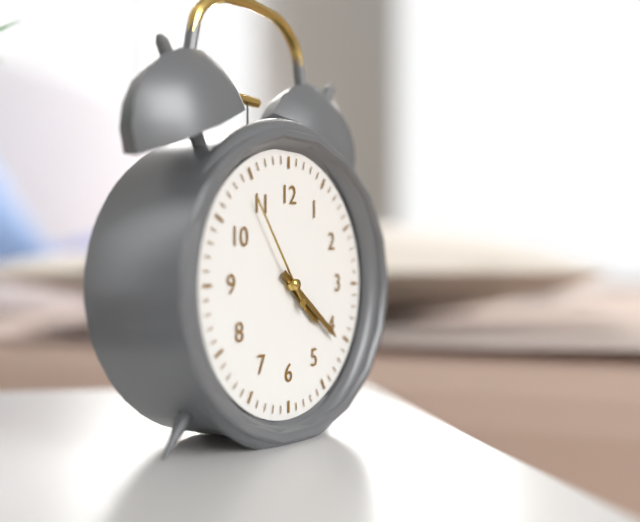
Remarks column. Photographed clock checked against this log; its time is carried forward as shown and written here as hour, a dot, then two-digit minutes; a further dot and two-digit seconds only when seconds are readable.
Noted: 4.21.54
